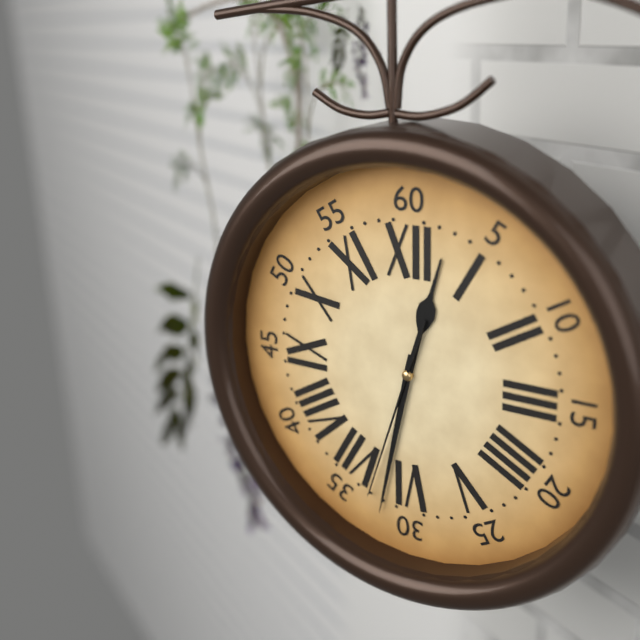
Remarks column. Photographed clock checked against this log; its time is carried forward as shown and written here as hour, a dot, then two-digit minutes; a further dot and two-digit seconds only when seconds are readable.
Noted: 12.32.33
